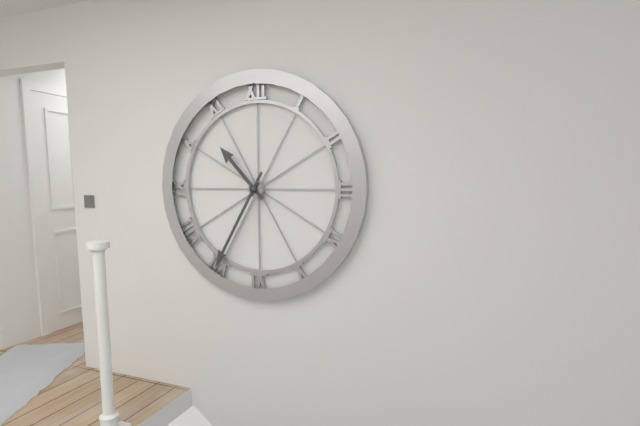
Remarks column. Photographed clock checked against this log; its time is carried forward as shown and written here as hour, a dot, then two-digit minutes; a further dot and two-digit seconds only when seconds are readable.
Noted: 10.35
